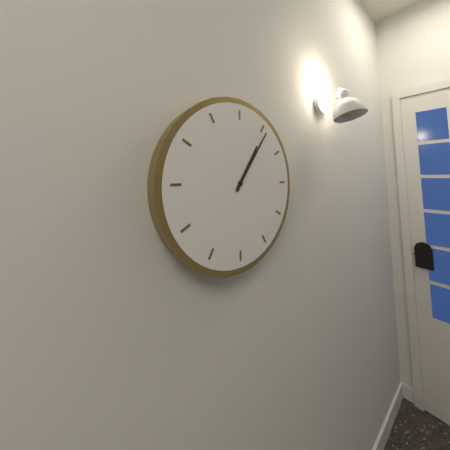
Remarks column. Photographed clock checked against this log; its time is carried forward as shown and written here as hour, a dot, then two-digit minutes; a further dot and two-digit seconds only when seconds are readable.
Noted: 1.06
